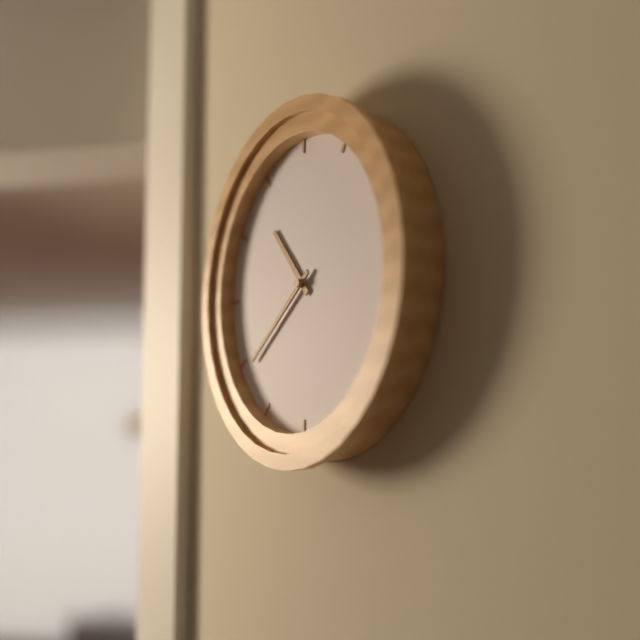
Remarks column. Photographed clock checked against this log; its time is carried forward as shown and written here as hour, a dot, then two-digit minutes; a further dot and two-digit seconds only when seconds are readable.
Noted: 10.39
